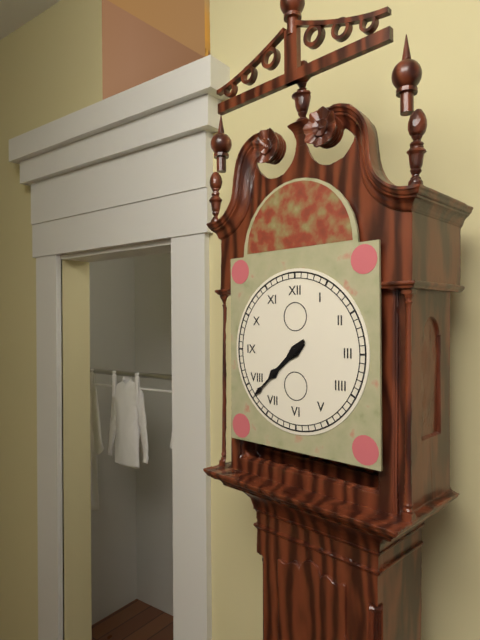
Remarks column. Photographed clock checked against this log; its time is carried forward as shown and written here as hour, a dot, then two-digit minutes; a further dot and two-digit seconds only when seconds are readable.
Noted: 7.38
